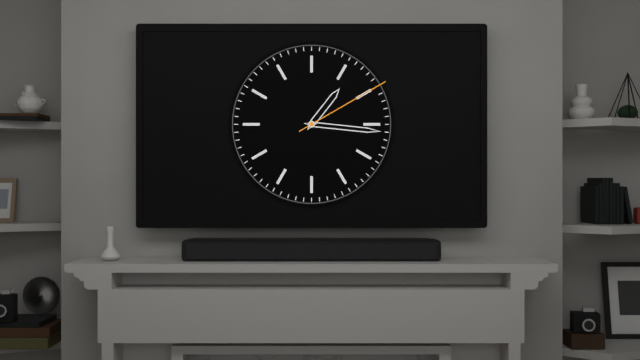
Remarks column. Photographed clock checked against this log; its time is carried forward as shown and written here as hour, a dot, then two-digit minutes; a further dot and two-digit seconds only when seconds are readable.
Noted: 1.16.10
